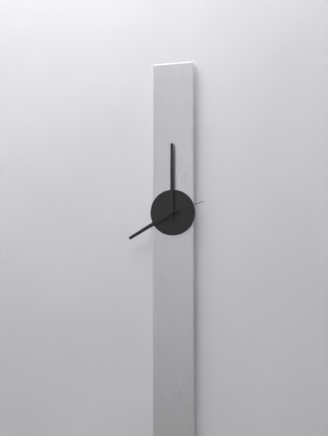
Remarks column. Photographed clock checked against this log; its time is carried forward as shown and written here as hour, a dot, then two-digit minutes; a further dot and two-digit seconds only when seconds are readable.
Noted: 8.00
